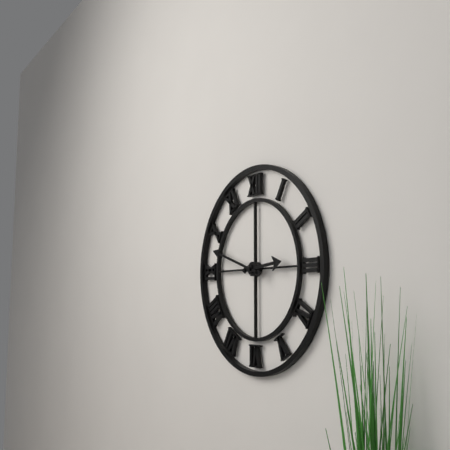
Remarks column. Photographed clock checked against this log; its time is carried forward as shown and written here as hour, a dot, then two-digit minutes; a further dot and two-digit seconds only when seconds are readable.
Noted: 2.48
